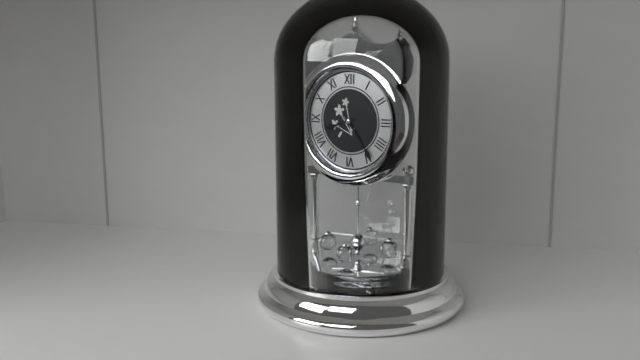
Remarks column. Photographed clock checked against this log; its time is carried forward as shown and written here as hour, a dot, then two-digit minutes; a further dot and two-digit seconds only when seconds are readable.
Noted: 8.24
